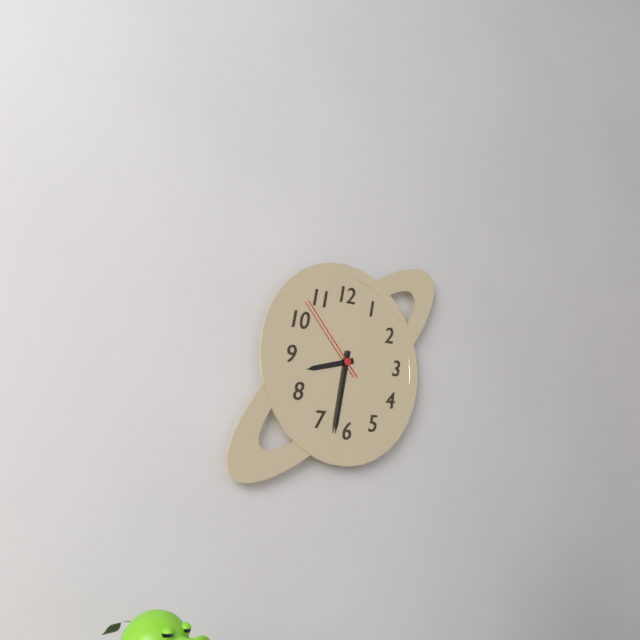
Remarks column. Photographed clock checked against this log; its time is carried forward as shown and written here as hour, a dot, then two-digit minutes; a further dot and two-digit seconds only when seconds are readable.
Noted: 8.32.53
